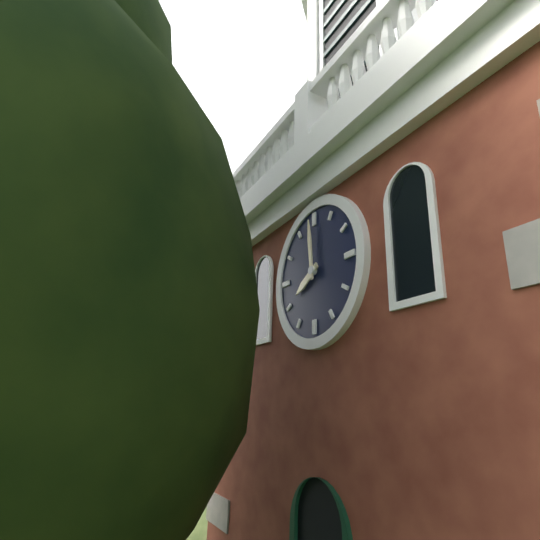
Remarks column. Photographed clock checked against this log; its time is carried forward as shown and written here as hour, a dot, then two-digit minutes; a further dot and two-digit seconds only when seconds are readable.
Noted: 7.59
